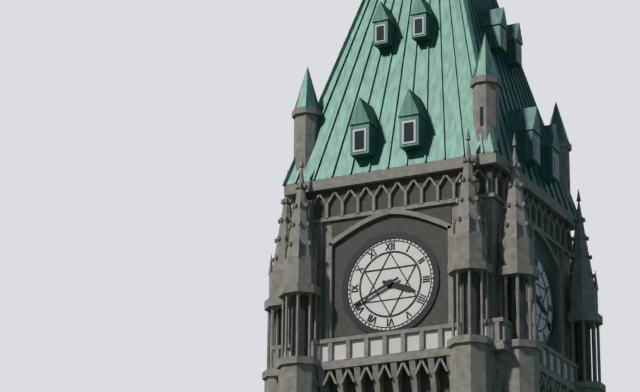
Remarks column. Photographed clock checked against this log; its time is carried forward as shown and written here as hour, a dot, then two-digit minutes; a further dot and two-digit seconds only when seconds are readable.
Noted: 3.41
